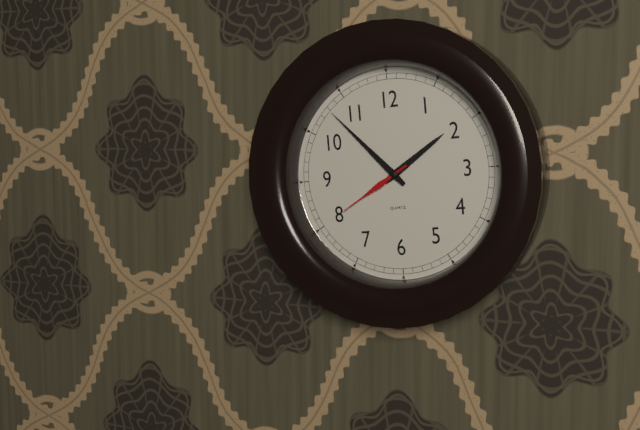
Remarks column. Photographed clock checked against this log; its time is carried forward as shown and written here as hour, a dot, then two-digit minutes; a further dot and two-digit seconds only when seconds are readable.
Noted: 1.53.40
